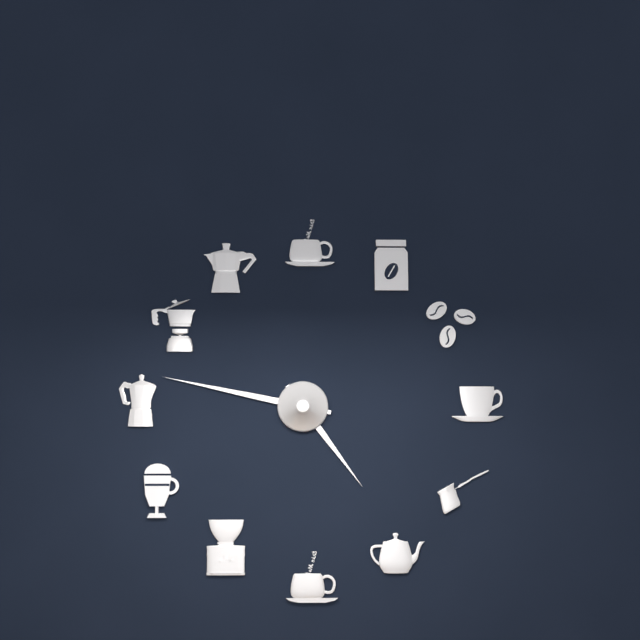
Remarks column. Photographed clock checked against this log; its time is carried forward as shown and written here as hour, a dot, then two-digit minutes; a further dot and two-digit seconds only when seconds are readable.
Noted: 4.47
